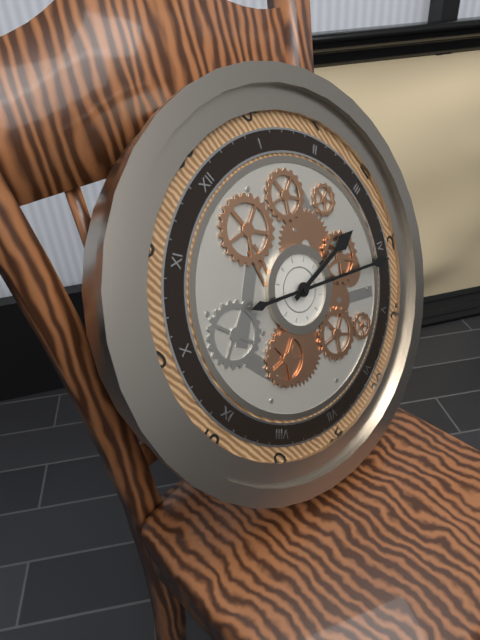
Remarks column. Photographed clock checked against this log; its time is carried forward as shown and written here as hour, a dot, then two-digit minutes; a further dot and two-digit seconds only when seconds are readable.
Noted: 3.21
